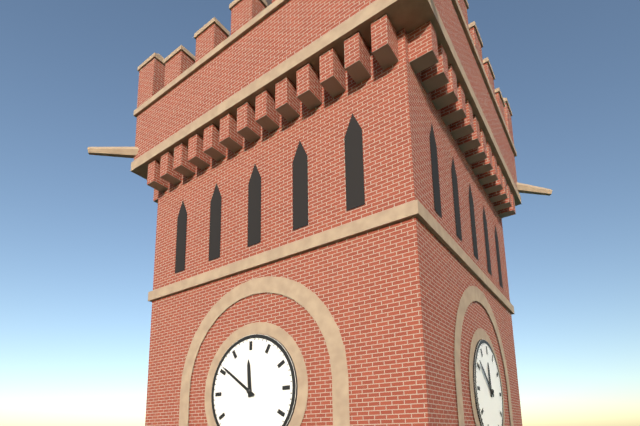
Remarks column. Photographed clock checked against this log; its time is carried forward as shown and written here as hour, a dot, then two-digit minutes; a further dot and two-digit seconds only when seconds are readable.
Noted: 11.51
